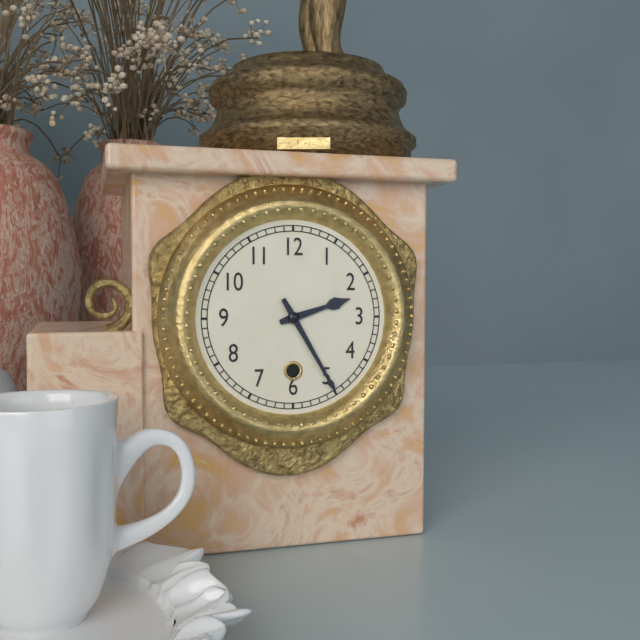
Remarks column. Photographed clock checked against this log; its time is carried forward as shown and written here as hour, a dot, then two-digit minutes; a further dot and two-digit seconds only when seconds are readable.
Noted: 2.25
